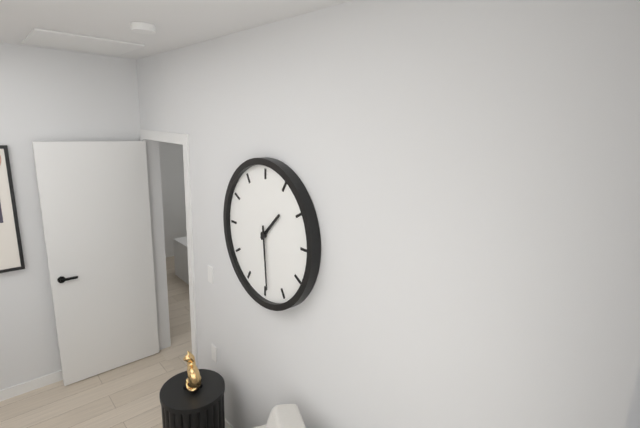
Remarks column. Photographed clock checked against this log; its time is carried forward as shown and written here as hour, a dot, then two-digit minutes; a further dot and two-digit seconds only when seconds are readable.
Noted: 1.29
